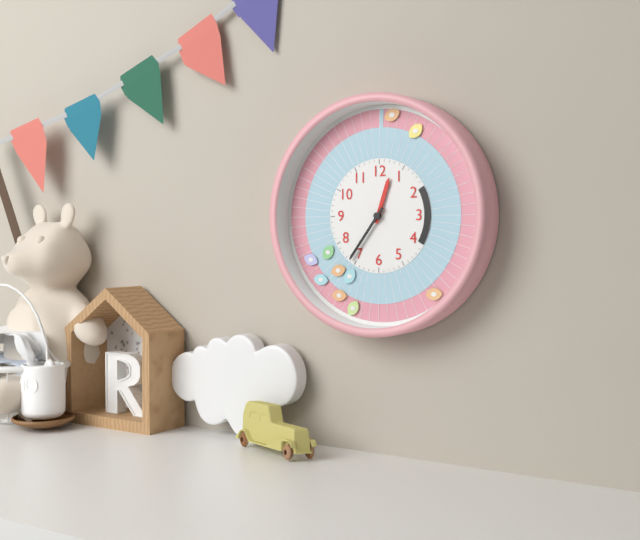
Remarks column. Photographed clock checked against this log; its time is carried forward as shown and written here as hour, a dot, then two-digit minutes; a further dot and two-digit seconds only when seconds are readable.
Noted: 12.36
